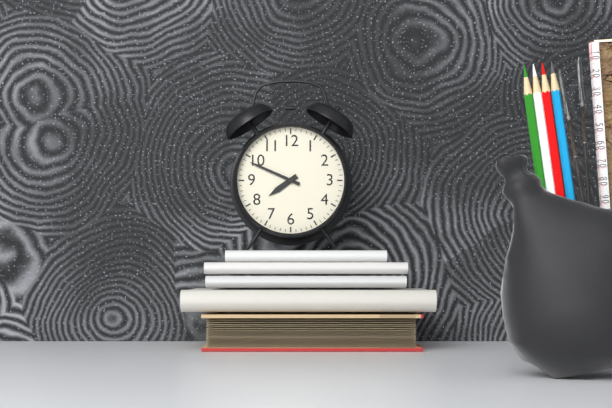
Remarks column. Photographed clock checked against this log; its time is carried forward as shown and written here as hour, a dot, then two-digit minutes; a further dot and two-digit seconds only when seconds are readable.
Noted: 7.49
